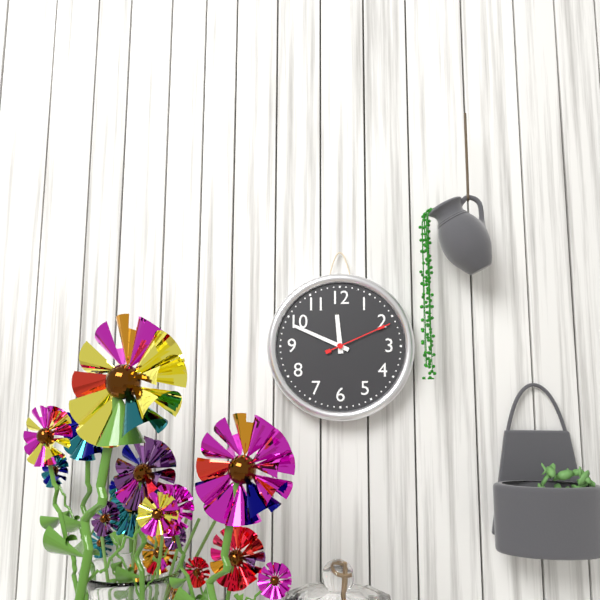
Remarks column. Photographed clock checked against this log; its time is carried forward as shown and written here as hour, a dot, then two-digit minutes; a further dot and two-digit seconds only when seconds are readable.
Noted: 11.49.11
